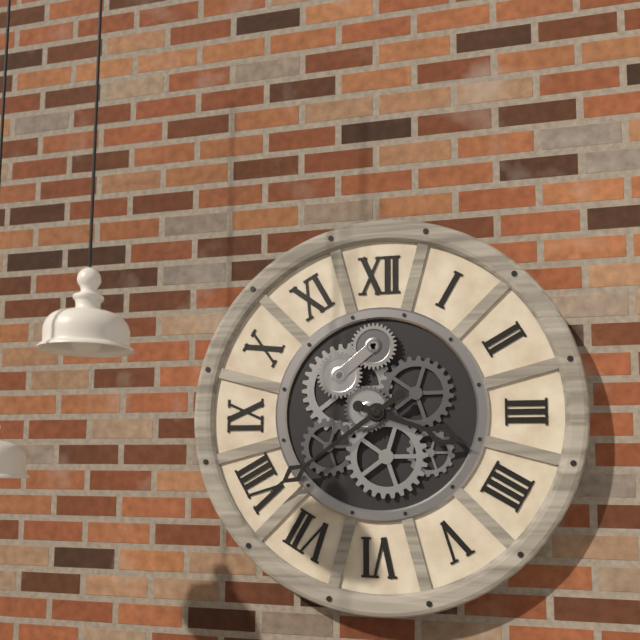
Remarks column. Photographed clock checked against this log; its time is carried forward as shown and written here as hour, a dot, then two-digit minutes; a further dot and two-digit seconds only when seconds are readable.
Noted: 3.39
